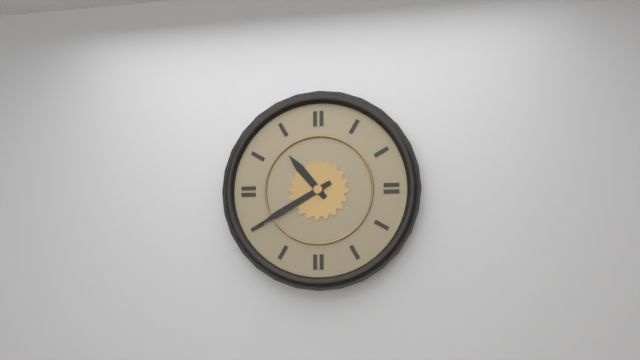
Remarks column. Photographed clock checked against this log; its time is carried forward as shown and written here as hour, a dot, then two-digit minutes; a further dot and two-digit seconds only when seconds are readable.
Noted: 10.40
